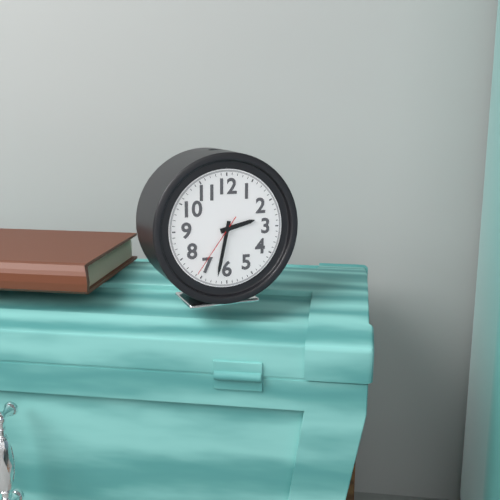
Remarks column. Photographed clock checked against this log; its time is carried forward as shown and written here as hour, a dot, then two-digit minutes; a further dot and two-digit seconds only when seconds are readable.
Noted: 2.32.36
